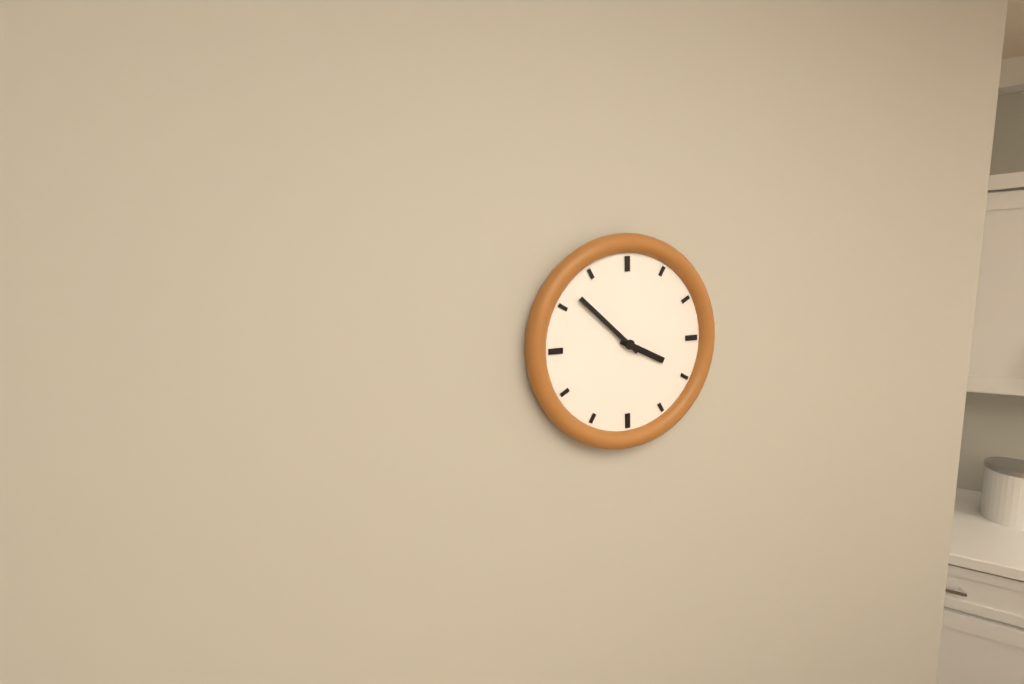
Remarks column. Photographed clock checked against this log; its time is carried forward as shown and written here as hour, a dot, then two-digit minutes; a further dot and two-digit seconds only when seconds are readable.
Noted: 3.52
